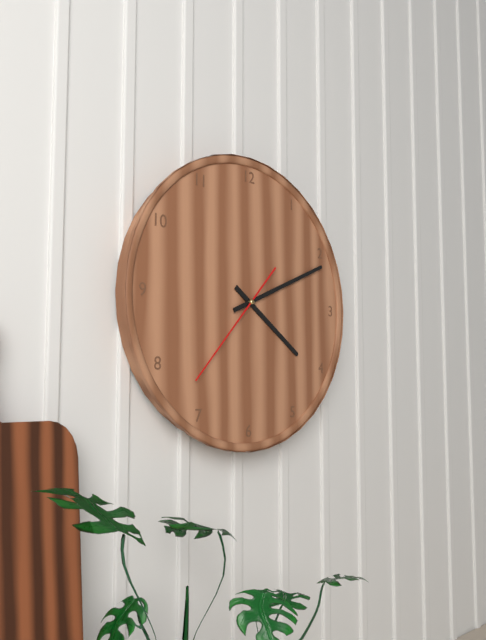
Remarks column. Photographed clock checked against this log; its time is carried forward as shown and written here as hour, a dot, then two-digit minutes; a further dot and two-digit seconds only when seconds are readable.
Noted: 4.11.37
